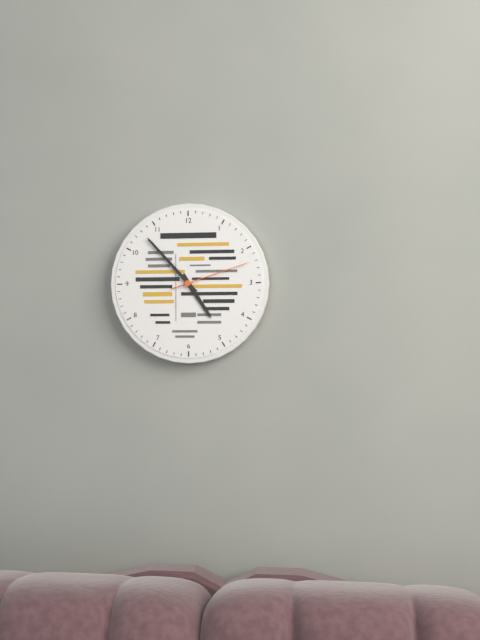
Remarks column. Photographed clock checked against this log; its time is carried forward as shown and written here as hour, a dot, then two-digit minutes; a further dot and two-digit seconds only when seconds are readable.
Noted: 4.53.12
